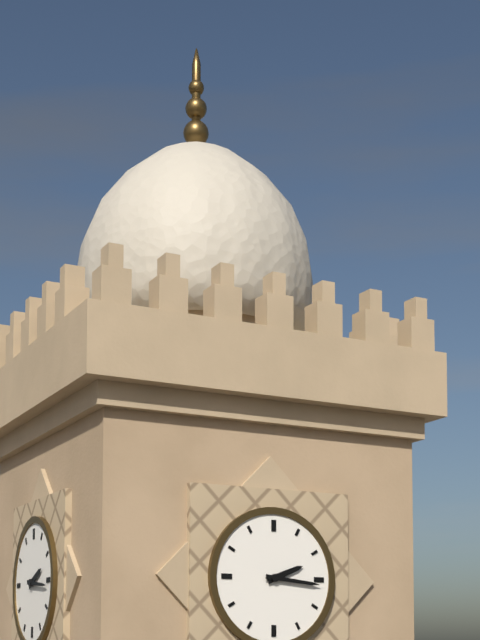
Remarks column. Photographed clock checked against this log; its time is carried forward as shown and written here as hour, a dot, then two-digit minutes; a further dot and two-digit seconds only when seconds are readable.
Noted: 2.16
